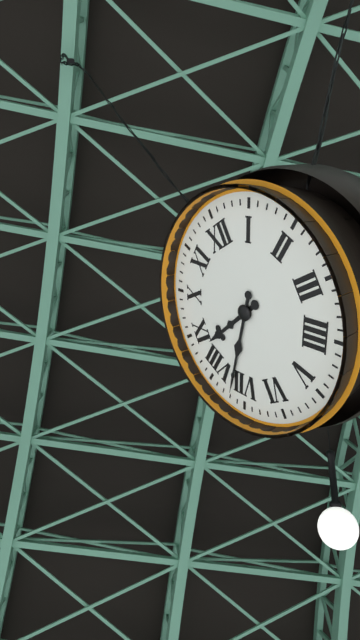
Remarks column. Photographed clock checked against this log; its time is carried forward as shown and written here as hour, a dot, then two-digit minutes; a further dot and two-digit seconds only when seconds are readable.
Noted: 8.37
